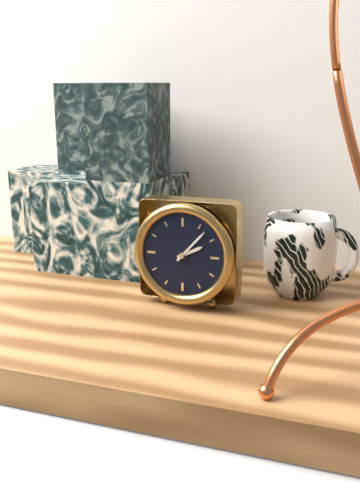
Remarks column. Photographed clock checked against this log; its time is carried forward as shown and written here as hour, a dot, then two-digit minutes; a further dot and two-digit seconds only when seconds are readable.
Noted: 2.07
